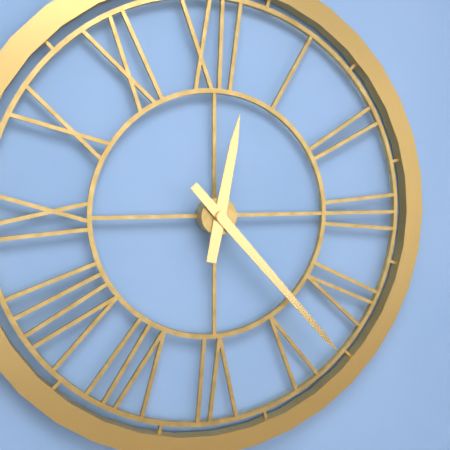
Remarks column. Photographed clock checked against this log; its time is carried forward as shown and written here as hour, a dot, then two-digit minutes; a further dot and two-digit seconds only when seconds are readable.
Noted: 12.23
